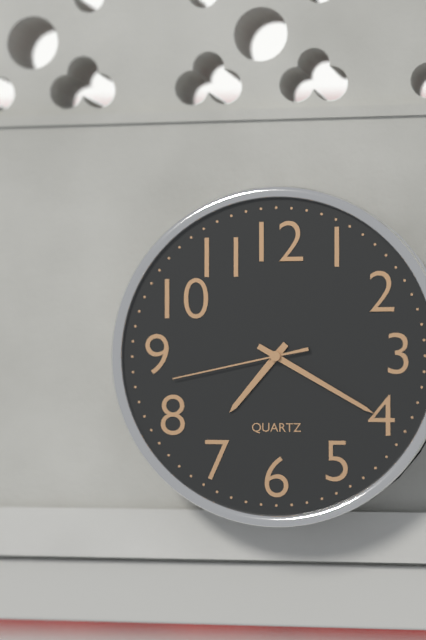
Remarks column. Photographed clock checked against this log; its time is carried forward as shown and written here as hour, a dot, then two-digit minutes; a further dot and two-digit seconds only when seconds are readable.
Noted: 7.20.43
